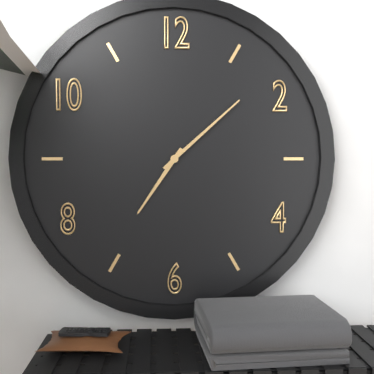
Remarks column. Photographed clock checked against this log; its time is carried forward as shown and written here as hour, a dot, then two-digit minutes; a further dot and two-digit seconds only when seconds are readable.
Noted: 7.08
